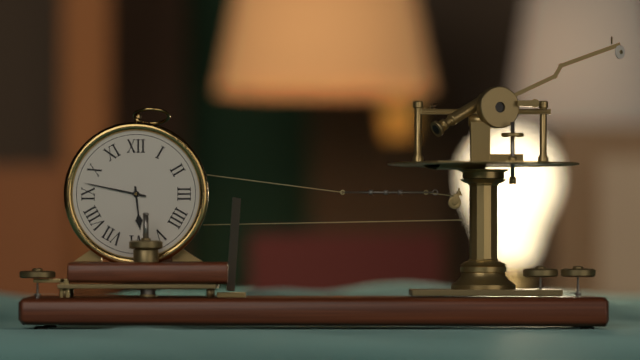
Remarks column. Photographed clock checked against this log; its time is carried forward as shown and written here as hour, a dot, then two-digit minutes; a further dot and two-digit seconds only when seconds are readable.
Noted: 5.47
